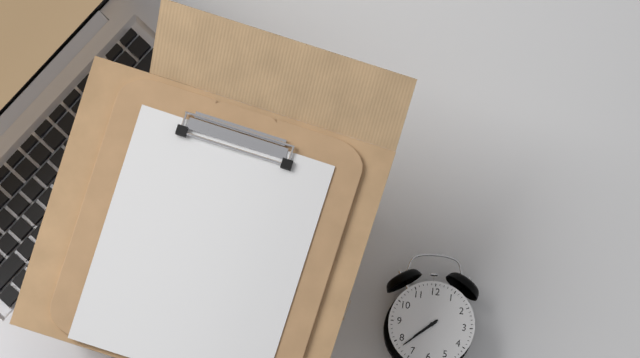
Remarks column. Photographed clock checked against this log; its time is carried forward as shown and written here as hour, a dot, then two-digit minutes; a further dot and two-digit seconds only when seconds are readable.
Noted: 7.38
